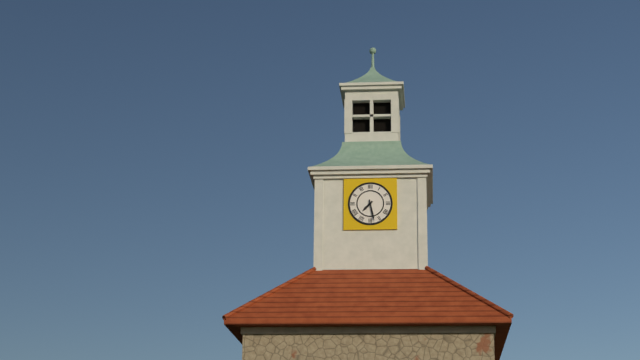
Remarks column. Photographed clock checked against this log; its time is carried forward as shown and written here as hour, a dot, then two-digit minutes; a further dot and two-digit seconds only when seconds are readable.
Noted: 7.28
